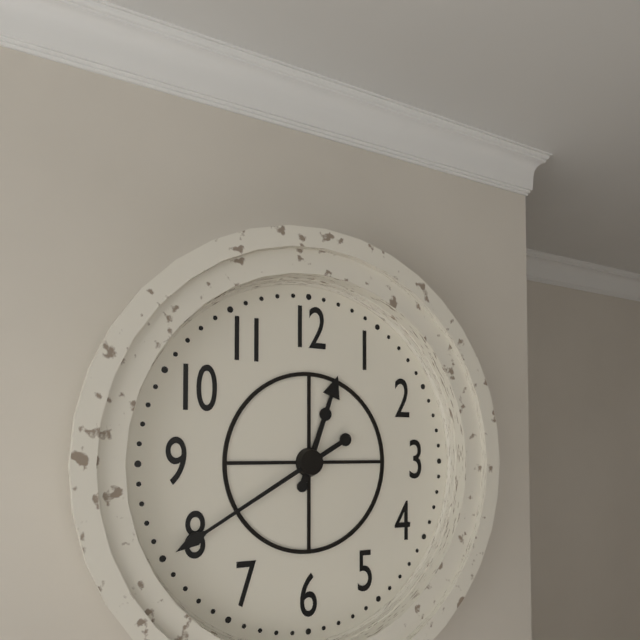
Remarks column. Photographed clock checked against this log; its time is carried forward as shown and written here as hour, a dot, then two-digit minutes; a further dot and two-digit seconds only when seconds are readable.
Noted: 12.40
